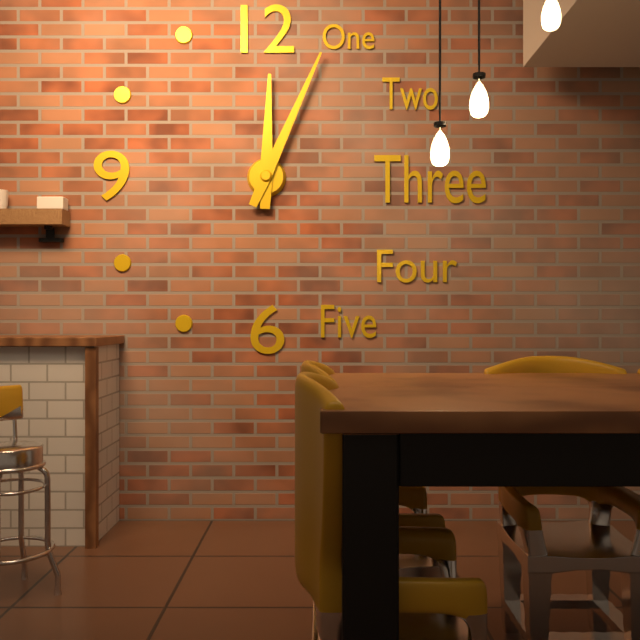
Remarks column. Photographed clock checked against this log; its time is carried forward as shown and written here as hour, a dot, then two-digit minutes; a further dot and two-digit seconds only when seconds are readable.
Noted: 12.04
